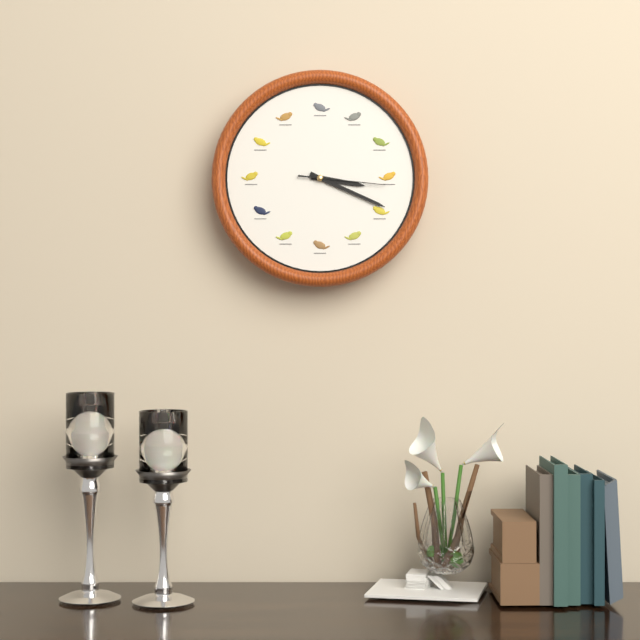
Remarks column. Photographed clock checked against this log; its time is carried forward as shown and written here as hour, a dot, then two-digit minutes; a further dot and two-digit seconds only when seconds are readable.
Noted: 3.19.16
